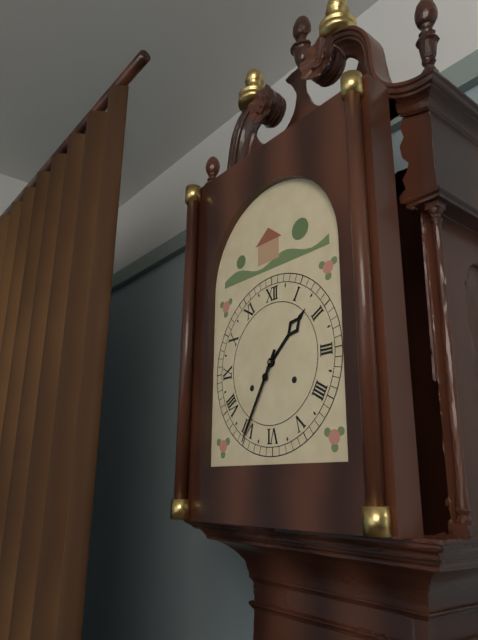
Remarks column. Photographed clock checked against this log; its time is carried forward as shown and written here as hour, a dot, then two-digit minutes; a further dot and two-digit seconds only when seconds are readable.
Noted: 1.35
